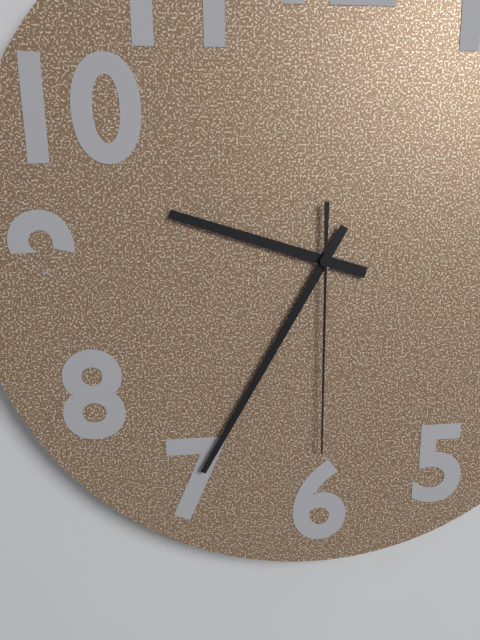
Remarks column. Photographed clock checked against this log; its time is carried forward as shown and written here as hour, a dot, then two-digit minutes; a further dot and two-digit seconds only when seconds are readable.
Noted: 9.35.30
